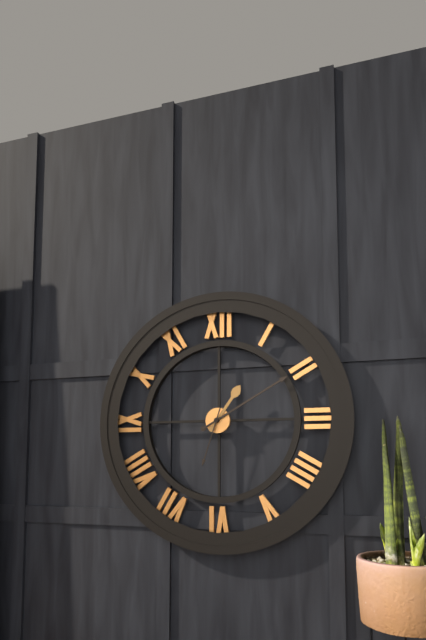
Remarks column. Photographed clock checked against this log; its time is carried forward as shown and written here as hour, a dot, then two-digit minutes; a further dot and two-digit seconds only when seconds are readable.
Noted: 1.10.33
